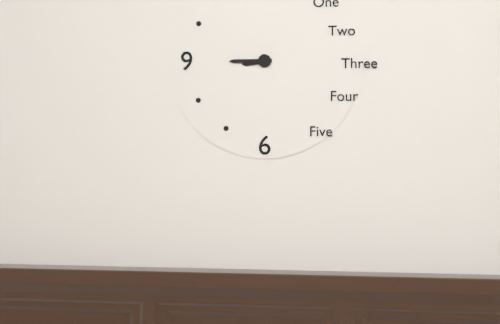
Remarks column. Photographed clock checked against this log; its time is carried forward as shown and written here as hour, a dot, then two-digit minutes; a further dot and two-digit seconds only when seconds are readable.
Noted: 8.45
